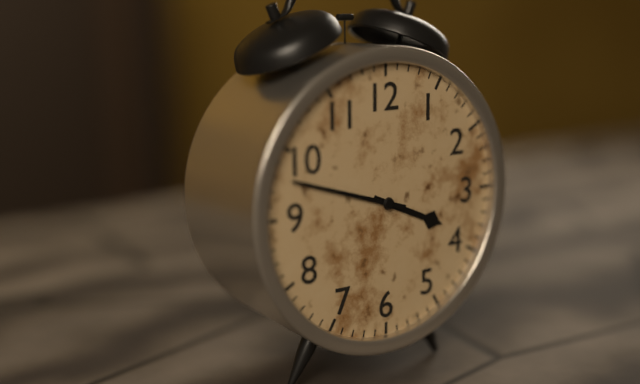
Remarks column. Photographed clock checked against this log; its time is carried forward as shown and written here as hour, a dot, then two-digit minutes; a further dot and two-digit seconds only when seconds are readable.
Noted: 3.48
